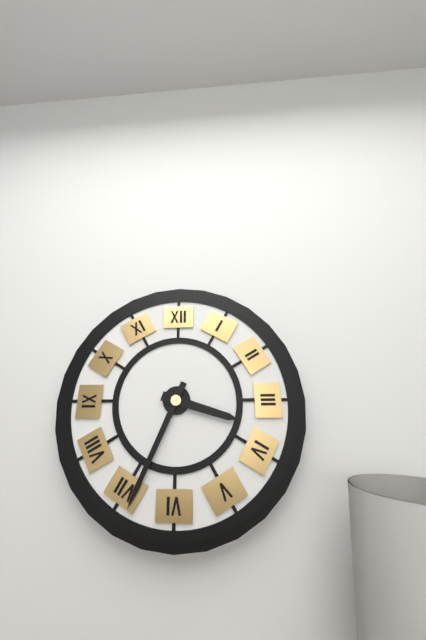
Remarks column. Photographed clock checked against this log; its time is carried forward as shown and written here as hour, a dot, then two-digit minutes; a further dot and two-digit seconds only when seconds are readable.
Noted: 3.34
